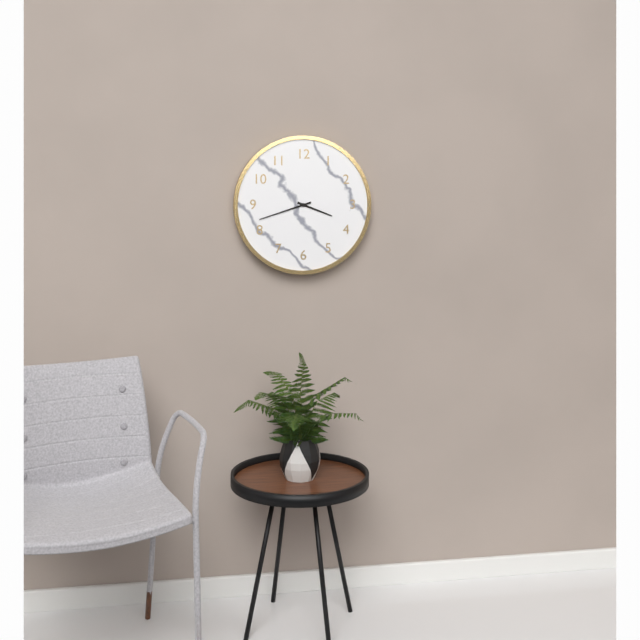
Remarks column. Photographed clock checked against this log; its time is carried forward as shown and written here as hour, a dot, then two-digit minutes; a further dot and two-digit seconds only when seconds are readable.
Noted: 3.42
